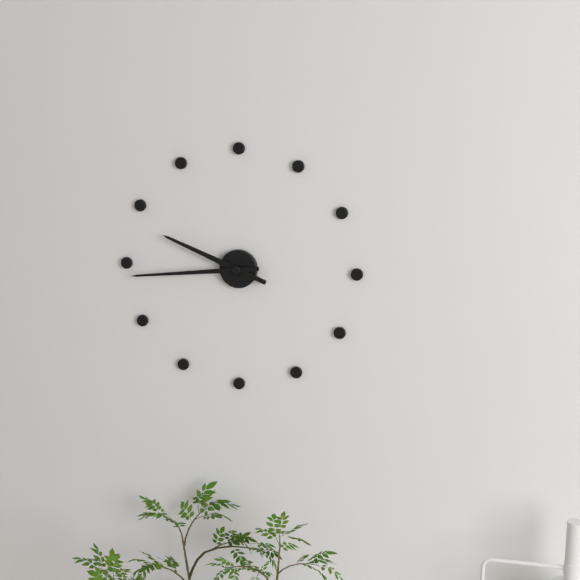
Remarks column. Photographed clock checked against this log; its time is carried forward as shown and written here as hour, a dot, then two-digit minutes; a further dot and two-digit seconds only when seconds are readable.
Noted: 9.44
